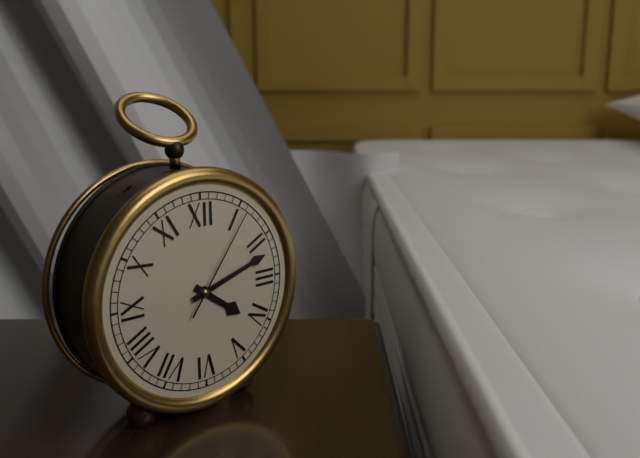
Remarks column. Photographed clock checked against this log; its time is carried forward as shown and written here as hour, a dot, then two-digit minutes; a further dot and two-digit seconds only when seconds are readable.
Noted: 4.12.06
